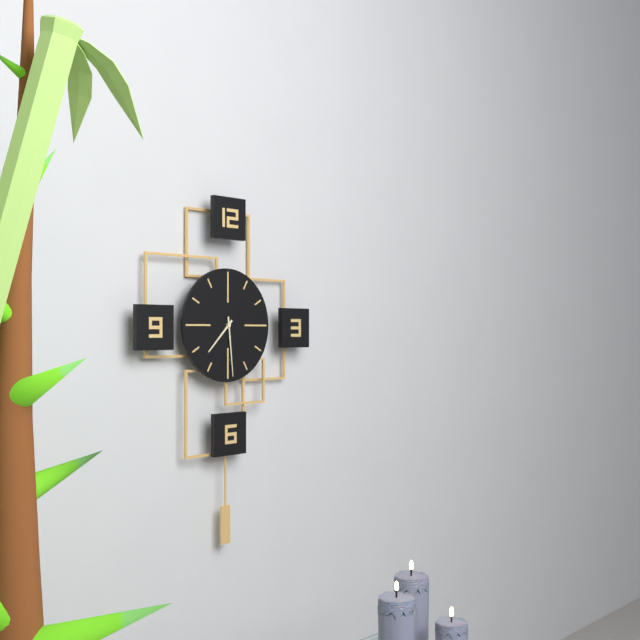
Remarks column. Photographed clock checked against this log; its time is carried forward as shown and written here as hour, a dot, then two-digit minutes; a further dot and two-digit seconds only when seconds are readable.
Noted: 7.29
